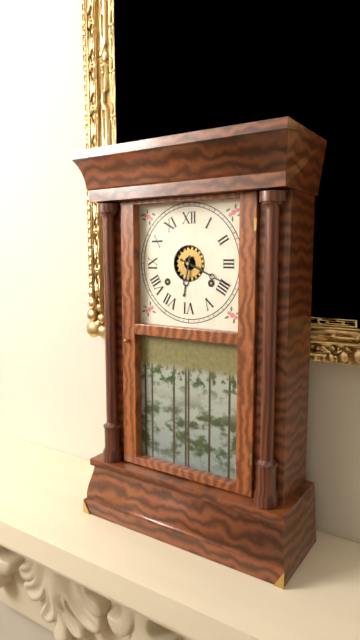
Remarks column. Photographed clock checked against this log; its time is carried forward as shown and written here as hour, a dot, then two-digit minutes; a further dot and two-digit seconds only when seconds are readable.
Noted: 6.19
